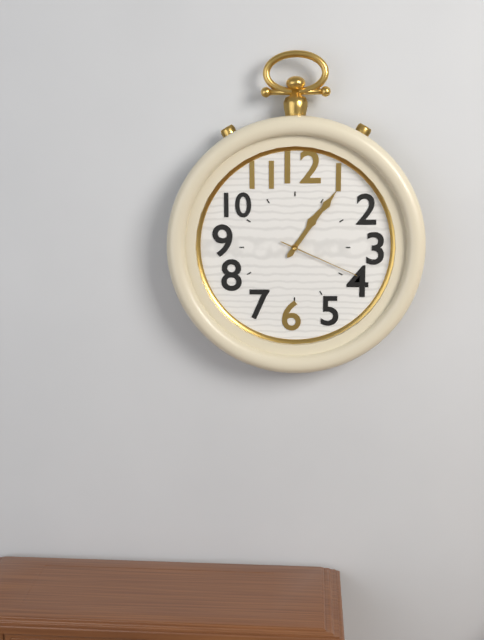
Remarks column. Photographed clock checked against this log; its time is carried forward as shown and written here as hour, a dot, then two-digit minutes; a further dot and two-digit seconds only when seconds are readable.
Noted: 1.06.19
